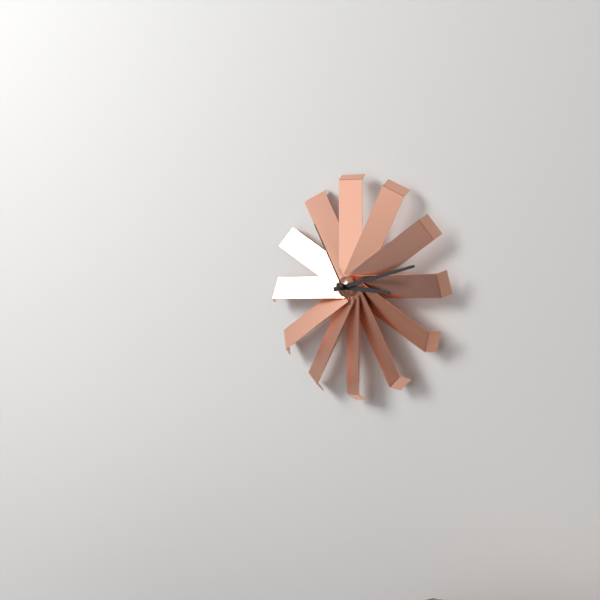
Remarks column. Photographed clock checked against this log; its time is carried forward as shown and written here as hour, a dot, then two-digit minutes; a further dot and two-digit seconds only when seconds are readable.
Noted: 3.13.55
